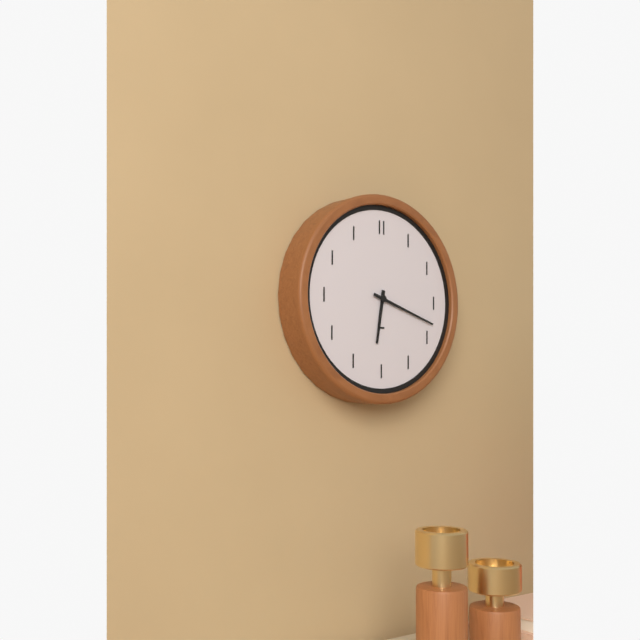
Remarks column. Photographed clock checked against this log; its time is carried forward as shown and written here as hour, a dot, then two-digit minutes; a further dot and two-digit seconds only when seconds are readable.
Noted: 6.18
